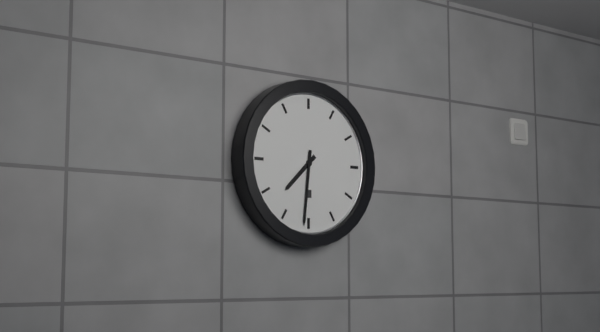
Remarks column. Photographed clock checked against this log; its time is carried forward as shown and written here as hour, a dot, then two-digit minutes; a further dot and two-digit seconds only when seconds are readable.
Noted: 7.31
